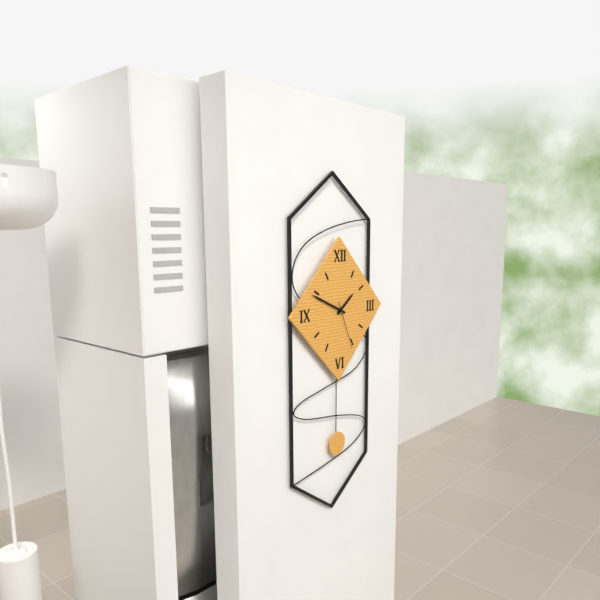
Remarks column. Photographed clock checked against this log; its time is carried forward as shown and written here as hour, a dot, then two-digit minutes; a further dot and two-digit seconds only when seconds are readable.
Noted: 1.49.26
